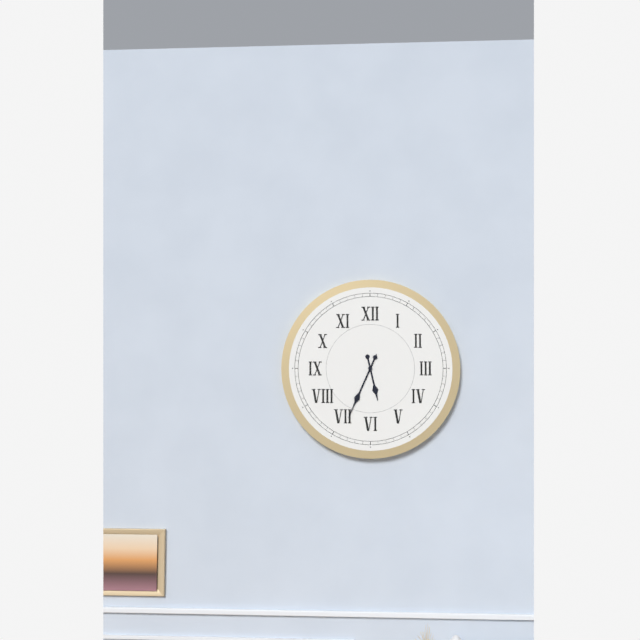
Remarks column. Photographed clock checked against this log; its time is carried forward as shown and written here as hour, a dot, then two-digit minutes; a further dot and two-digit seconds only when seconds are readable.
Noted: 5.34.34
